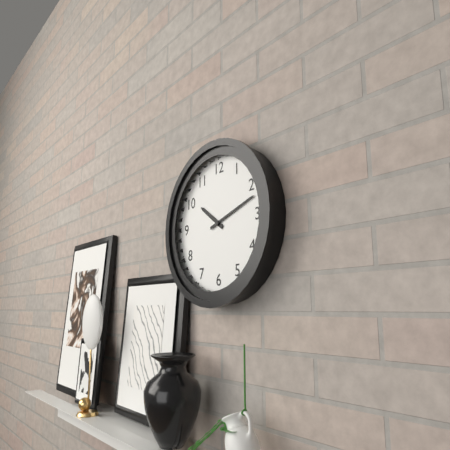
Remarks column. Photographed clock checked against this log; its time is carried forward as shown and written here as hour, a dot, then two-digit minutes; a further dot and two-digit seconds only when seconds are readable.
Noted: 10.12
